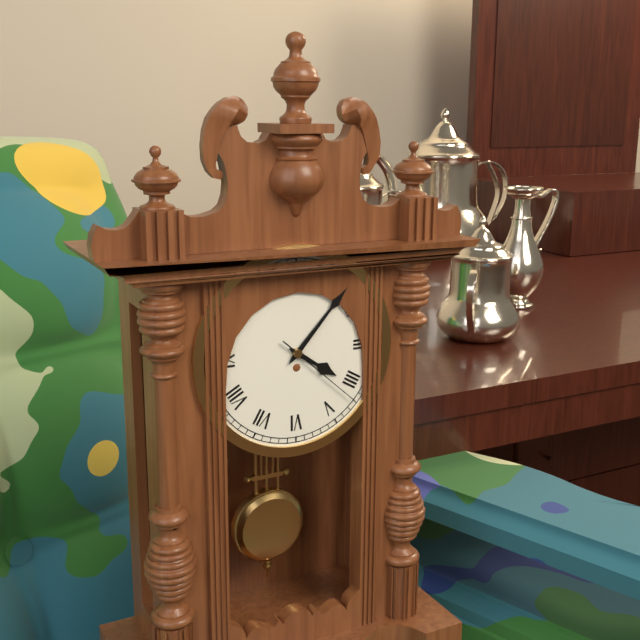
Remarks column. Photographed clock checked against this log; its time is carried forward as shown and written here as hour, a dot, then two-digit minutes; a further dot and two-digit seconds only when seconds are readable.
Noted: 4.07.22
